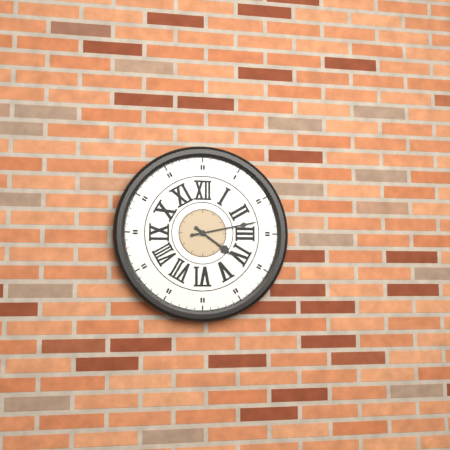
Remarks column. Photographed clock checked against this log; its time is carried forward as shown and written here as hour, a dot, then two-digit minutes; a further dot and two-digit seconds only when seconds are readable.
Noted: 4.13
